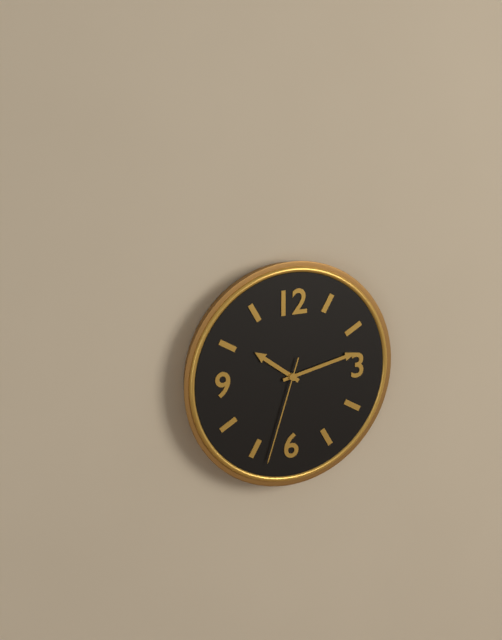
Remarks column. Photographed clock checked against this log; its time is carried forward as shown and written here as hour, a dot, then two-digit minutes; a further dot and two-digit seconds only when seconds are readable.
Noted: 10.13.33
